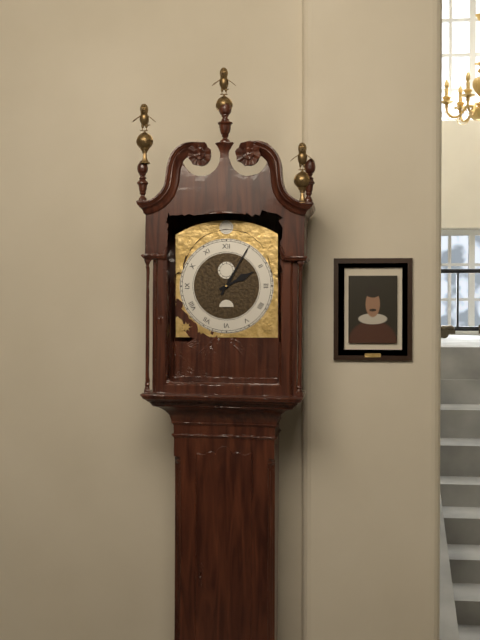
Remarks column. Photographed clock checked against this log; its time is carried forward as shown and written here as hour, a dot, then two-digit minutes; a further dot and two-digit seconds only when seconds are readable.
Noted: 2.05
